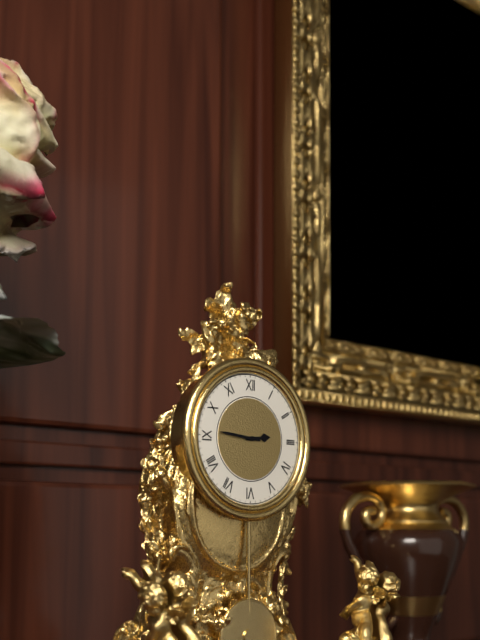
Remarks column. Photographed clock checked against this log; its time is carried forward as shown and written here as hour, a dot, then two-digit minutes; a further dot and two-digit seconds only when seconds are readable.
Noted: 2.46
